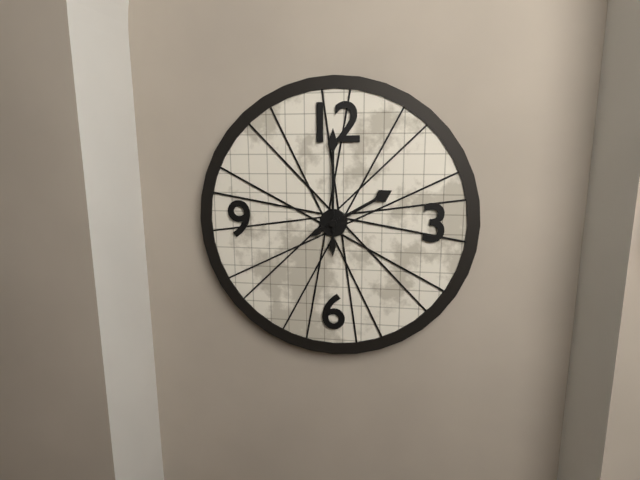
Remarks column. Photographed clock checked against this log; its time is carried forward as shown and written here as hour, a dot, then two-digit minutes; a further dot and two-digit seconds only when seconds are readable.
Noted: 2.00
